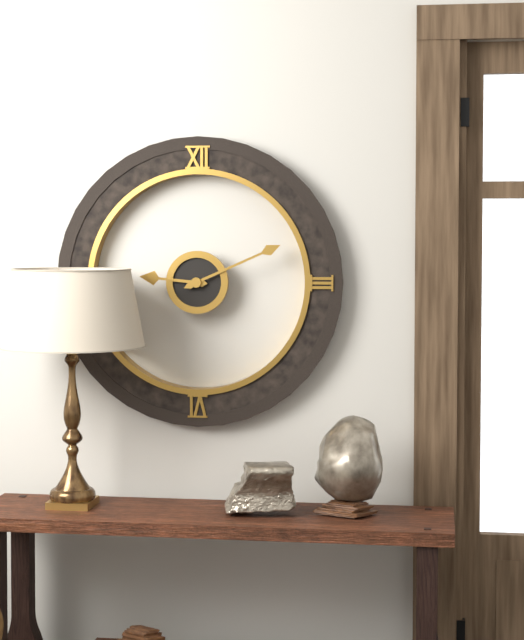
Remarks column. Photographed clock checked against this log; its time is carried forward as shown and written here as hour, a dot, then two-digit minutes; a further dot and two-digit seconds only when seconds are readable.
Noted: 9.11
